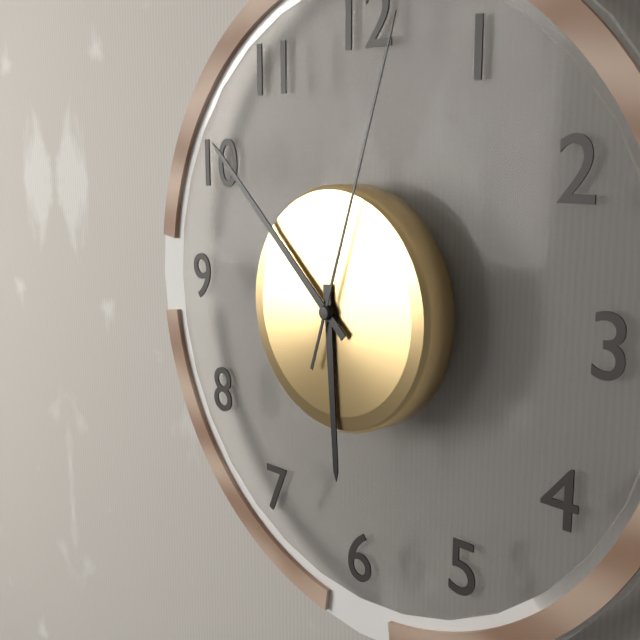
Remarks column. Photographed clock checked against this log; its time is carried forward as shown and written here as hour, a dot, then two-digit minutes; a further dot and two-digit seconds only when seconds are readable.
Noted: 5.52.03
